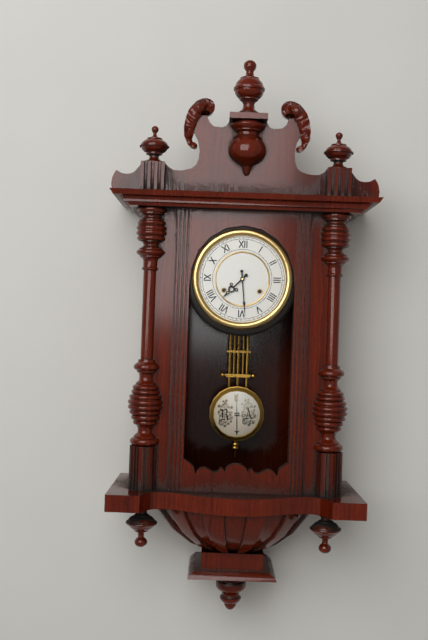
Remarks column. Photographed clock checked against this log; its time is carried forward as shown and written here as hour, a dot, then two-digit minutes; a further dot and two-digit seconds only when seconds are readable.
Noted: 7.29
